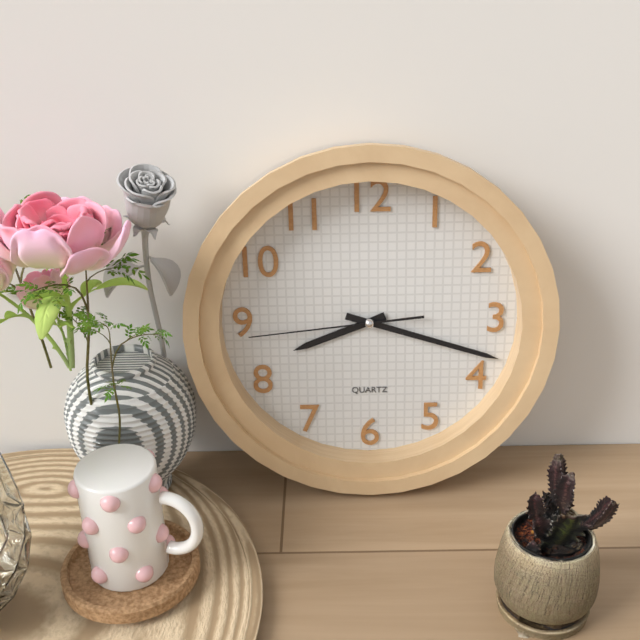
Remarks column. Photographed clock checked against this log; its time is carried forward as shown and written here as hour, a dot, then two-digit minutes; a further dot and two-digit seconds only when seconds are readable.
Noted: 8.18.44
